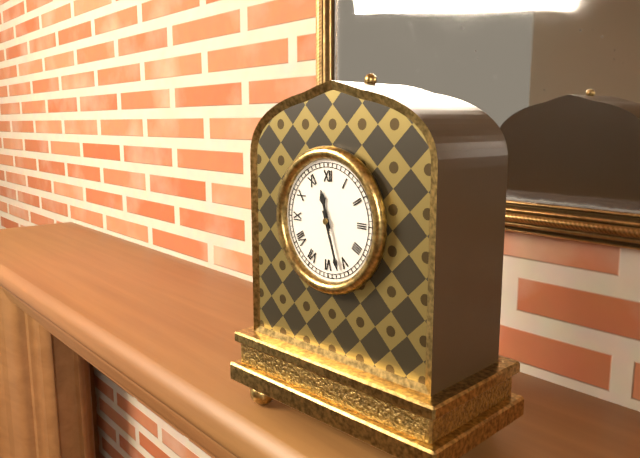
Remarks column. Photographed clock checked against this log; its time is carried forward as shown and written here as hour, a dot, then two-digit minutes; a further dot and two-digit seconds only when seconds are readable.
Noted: 11.27
